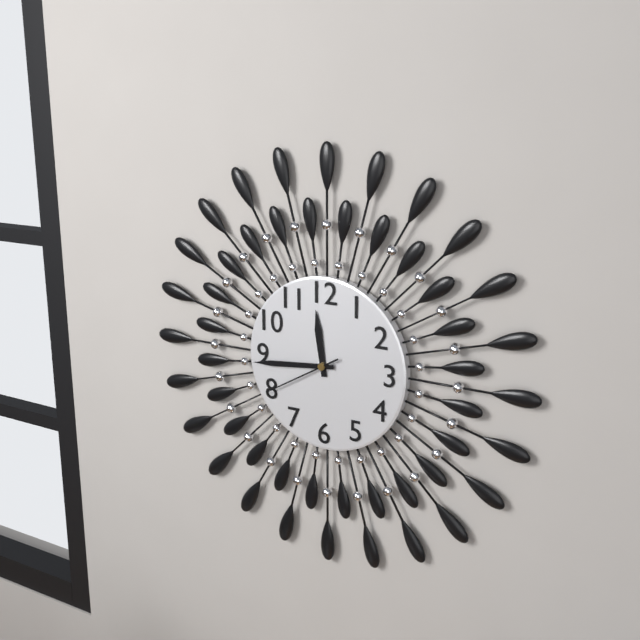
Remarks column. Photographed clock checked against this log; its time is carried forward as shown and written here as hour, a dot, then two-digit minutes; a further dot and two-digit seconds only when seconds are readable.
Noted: 11.44.40
